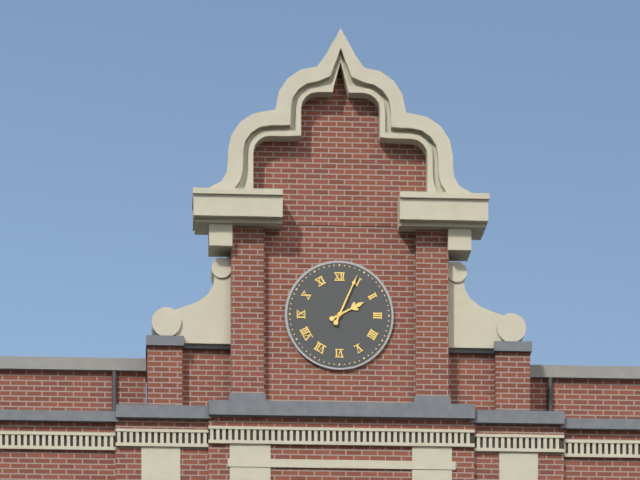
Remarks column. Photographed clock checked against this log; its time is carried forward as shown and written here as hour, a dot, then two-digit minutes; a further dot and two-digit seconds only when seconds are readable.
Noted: 2.04
